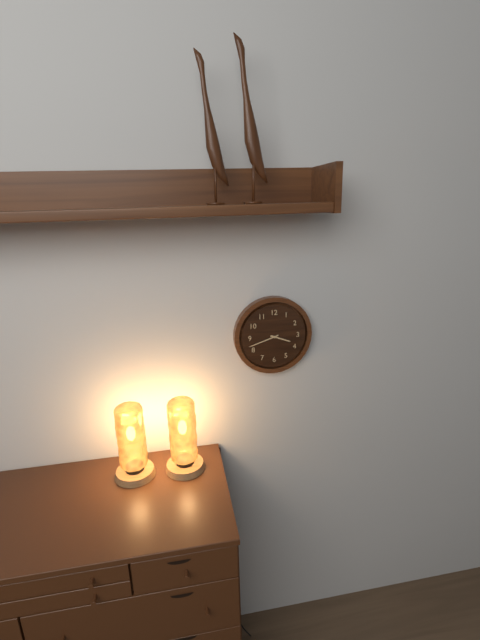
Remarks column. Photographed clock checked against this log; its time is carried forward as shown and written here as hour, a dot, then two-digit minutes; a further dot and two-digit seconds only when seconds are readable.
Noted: 3.42
